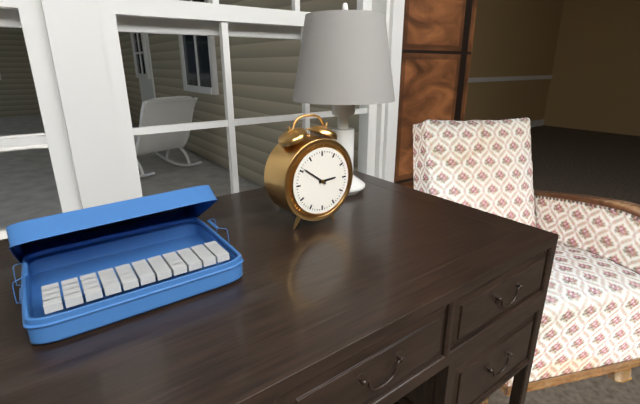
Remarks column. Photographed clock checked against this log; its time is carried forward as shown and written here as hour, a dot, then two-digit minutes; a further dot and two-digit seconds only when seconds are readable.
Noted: 2.51
